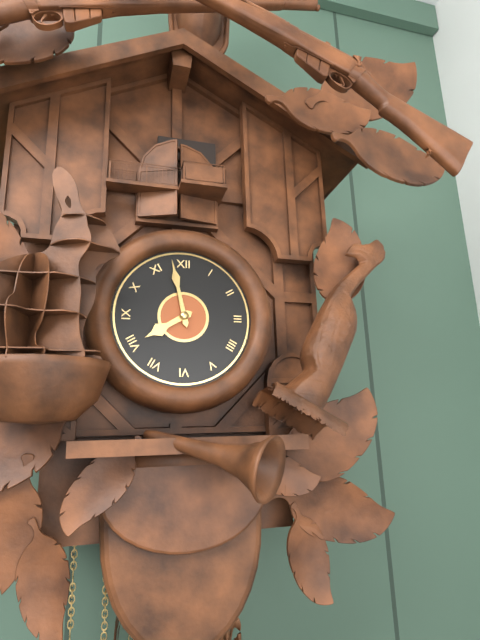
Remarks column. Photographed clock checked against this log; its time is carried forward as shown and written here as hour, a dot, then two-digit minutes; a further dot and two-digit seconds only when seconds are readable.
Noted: 7.58
